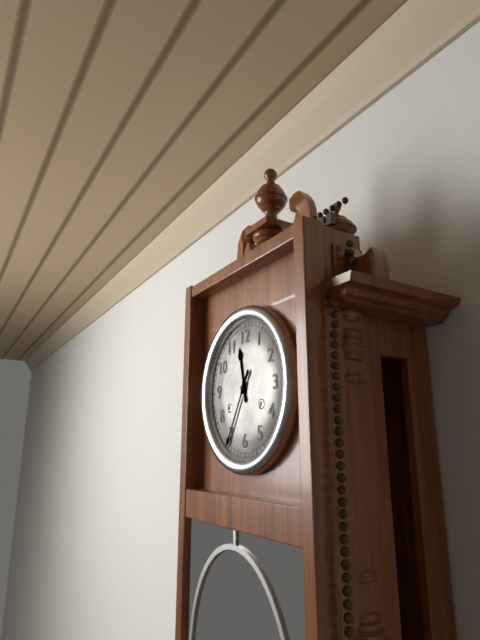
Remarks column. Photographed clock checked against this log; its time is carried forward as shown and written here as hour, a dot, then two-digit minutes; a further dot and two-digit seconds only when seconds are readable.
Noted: 11.35
